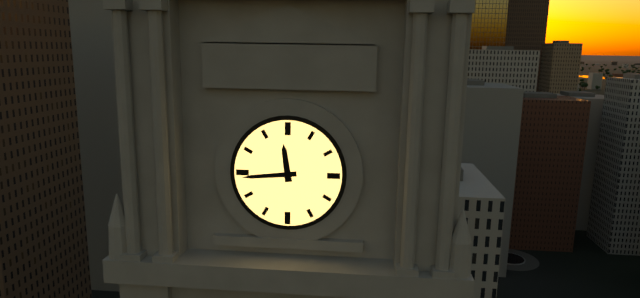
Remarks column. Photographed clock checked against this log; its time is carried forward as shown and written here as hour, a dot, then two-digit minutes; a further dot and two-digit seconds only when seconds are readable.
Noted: 11.44
